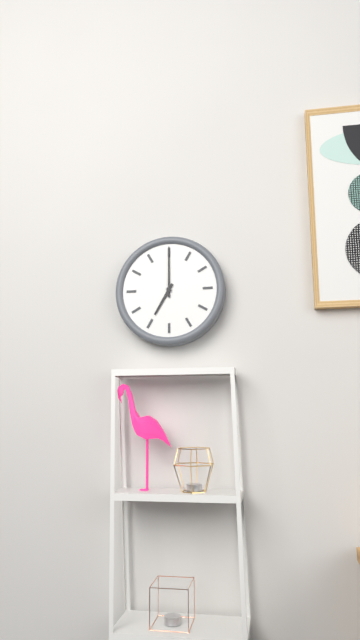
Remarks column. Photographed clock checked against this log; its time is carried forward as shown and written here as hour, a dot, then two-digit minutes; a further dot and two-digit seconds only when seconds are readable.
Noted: 7.00
